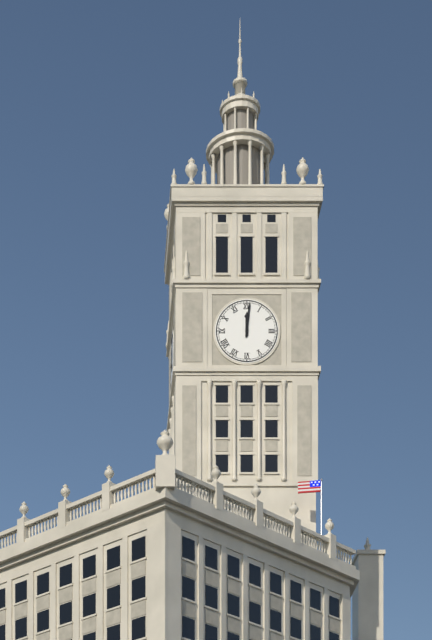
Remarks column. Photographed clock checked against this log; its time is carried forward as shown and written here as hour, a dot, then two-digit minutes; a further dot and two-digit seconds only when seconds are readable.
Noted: 12.01
